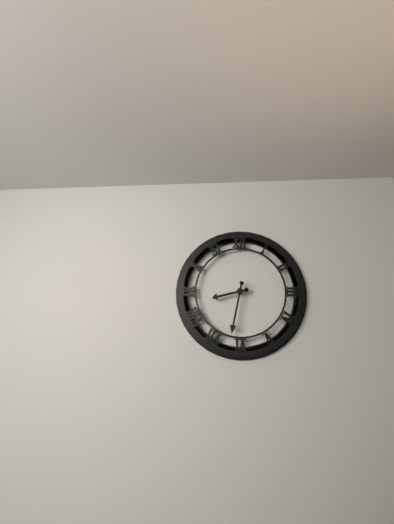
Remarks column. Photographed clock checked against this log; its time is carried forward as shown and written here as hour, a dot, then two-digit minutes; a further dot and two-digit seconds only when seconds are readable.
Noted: 8.32
